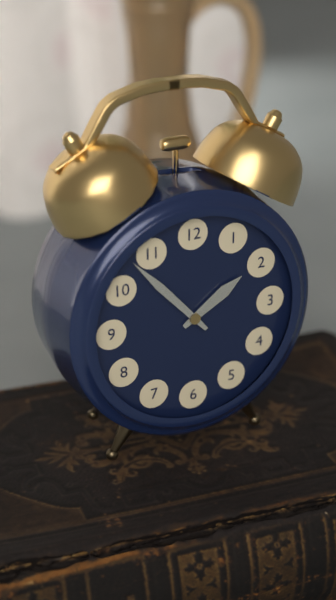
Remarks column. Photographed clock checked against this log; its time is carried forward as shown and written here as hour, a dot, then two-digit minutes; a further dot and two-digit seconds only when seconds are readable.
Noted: 1.53
